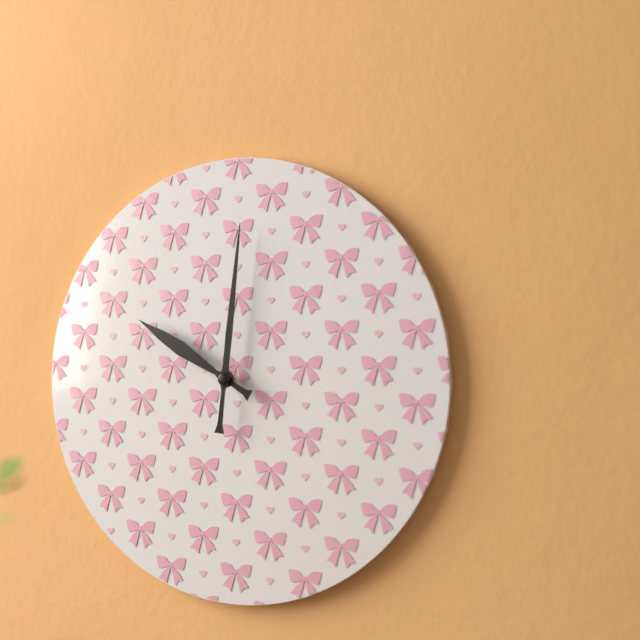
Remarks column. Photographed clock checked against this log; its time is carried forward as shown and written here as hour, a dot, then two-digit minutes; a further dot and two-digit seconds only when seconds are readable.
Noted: 10.01
